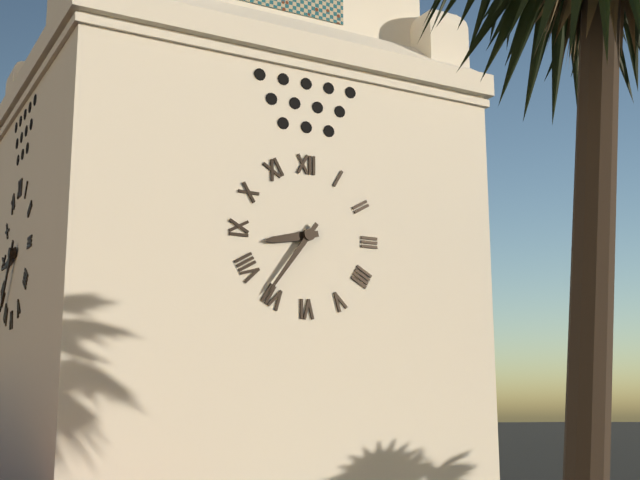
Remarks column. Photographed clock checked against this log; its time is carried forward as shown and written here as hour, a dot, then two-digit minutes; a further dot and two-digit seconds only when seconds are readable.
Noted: 8.36
